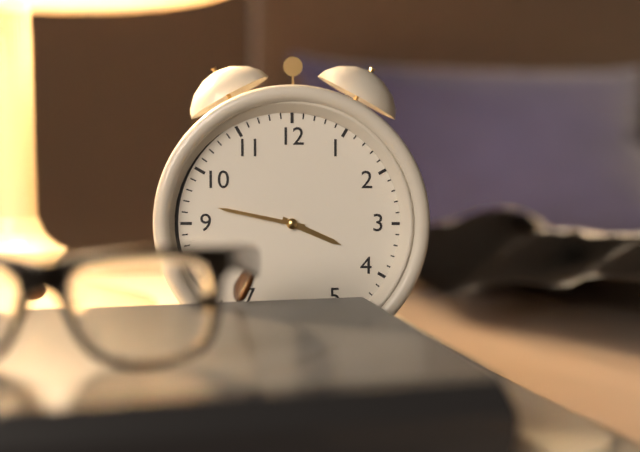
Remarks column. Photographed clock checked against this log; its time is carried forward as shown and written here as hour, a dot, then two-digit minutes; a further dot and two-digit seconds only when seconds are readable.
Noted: 3.47
